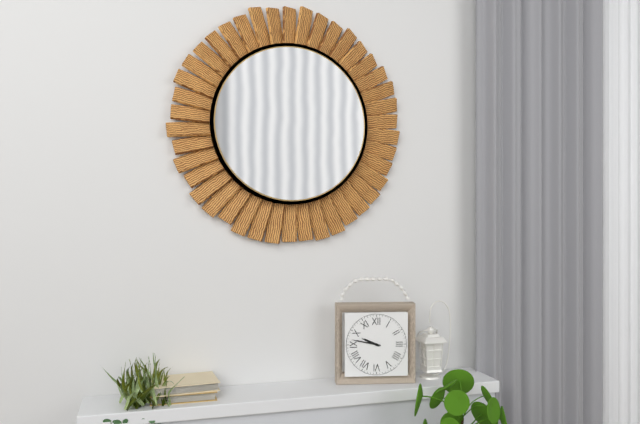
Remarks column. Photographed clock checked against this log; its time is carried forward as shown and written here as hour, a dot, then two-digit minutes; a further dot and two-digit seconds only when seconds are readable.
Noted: 9.47
